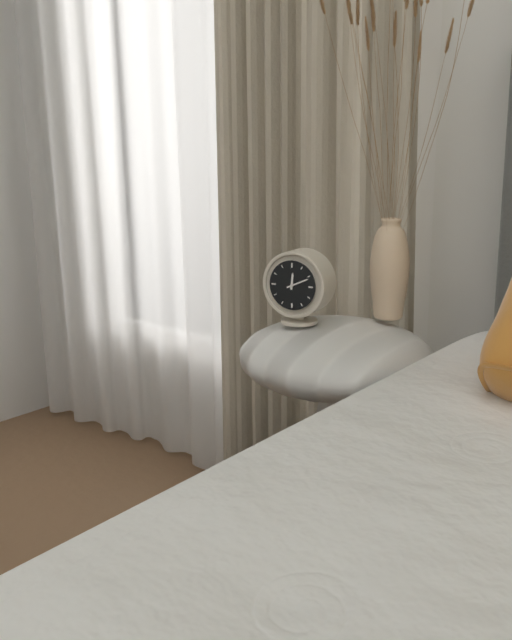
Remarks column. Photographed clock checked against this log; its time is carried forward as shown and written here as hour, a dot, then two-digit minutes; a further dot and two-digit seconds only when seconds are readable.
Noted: 12.11
